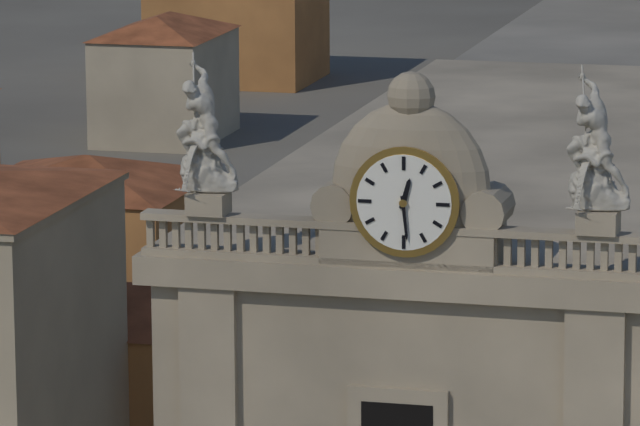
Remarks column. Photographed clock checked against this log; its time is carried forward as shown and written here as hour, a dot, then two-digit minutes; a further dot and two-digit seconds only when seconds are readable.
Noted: 12.29
